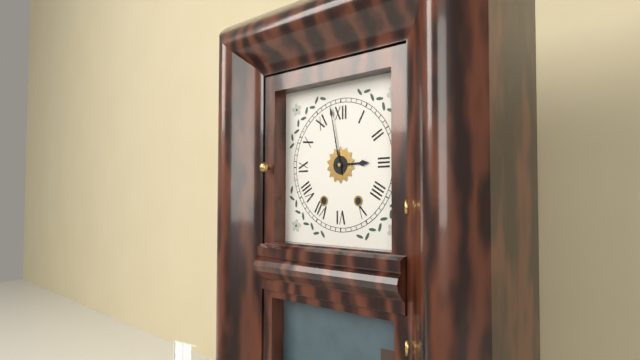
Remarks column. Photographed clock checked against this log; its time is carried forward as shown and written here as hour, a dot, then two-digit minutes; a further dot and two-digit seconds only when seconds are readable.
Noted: 2.58
